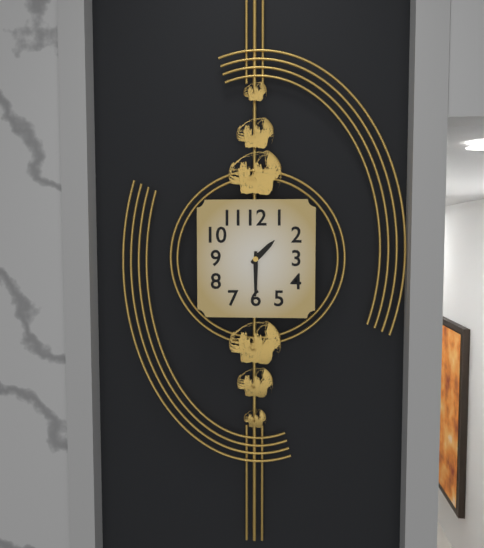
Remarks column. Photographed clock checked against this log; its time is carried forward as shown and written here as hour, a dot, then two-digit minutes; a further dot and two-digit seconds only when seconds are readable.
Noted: 1.30
